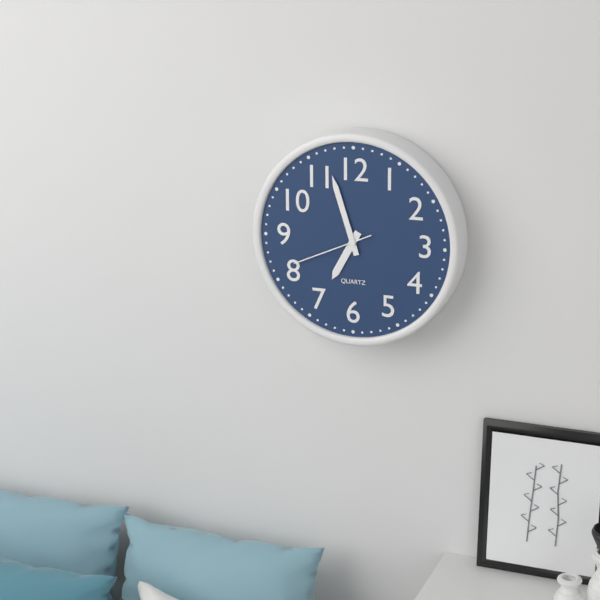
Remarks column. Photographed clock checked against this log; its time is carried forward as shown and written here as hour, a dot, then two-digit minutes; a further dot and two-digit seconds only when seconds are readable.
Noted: 6.57.41
